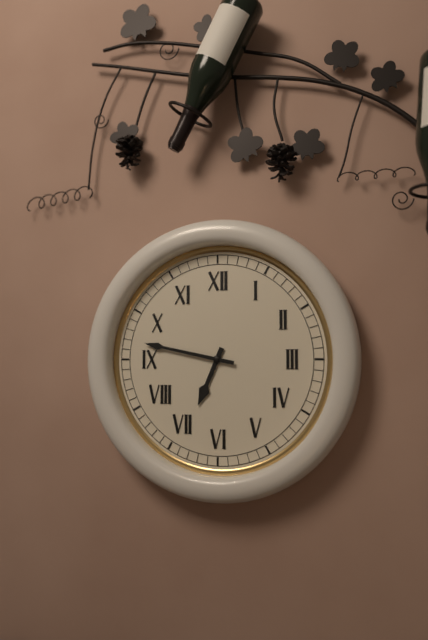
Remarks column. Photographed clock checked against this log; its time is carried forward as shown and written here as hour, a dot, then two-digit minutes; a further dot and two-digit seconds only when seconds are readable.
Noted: 6.47
